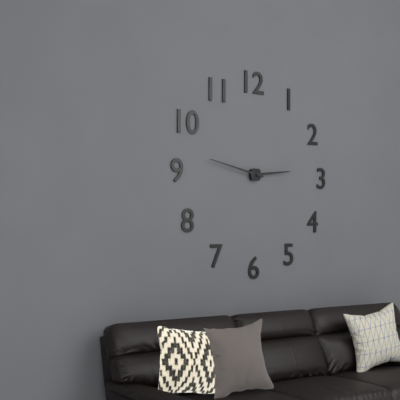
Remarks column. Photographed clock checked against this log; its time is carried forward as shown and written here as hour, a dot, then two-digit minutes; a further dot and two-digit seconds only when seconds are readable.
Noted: 2.47
